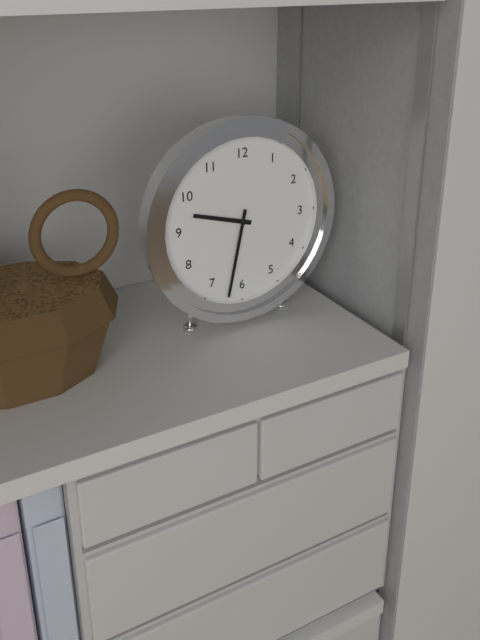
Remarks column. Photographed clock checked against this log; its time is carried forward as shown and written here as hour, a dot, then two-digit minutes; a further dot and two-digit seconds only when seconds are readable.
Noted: 9.32
